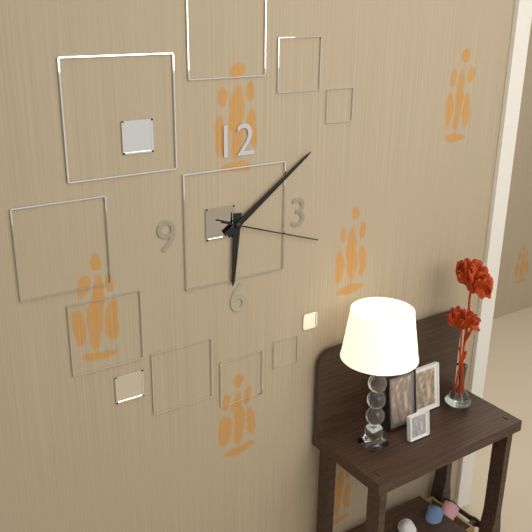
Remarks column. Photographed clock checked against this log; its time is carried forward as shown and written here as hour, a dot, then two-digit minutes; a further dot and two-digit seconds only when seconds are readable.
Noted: 6.09.18
